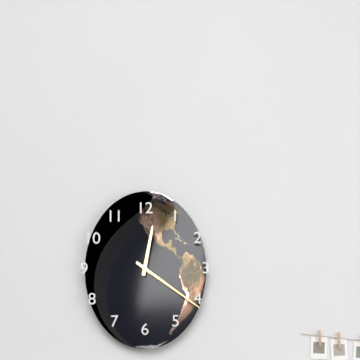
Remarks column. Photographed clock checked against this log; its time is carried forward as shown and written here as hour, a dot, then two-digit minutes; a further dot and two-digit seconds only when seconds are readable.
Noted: 12.21
